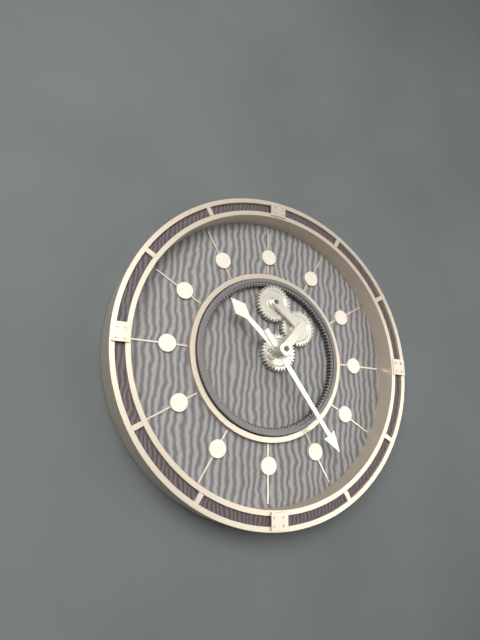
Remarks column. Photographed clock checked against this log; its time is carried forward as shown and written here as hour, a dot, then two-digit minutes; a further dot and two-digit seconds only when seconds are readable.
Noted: 10.24
